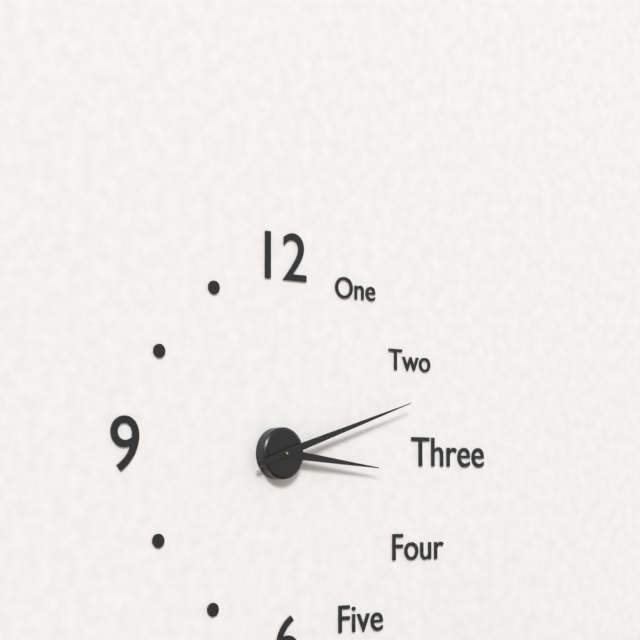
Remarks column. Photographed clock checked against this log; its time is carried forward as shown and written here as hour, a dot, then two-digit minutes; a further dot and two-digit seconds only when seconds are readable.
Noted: 3.12
